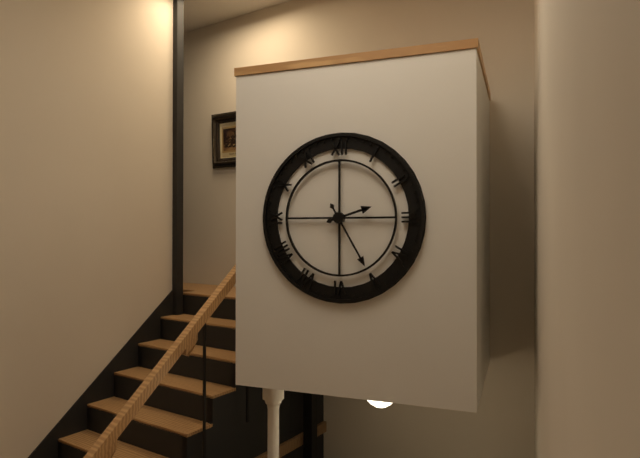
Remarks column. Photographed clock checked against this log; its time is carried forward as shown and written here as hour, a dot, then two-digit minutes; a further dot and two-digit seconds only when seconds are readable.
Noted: 2.25
